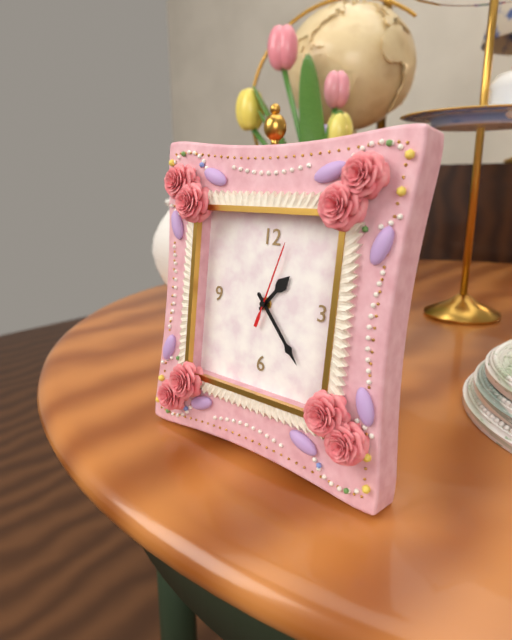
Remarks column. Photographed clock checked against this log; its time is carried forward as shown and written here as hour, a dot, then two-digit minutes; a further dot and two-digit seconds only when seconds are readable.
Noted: 1.23.03
